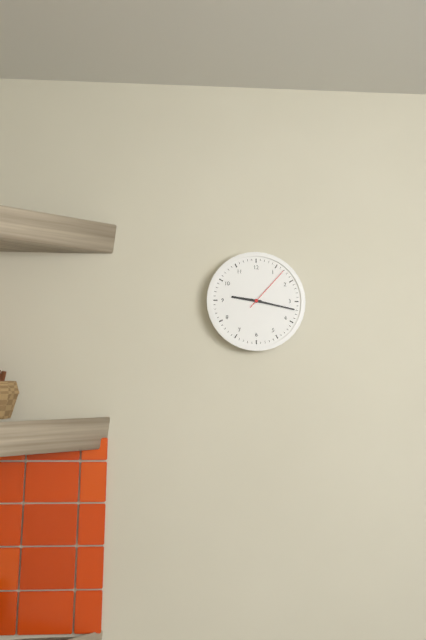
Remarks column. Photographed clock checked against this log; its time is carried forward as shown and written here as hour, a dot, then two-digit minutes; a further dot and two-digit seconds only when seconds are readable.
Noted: 9.17.07
